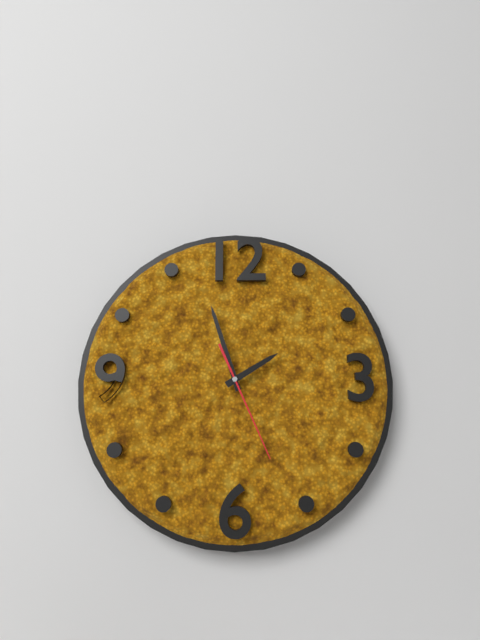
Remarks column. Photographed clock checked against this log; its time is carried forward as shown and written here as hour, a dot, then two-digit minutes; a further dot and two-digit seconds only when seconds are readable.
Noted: 1.57.26
